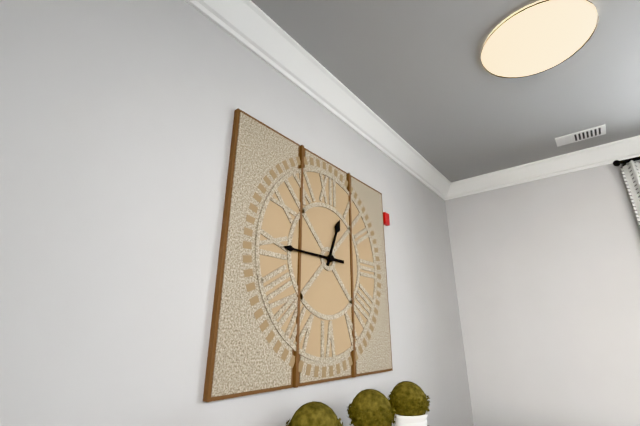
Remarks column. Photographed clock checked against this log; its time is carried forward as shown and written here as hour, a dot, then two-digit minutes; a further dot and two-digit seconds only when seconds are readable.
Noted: 12.45
